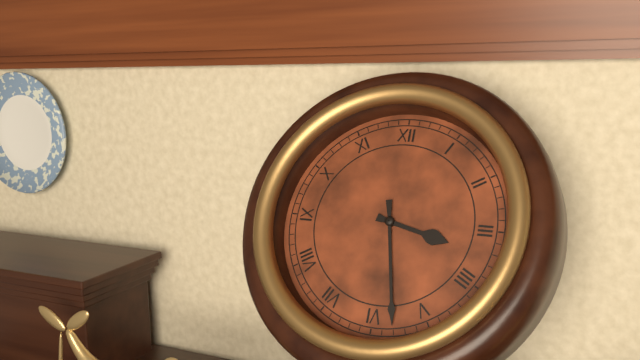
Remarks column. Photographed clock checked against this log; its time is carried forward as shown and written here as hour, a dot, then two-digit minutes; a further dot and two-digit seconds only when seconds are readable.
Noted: 3.28
